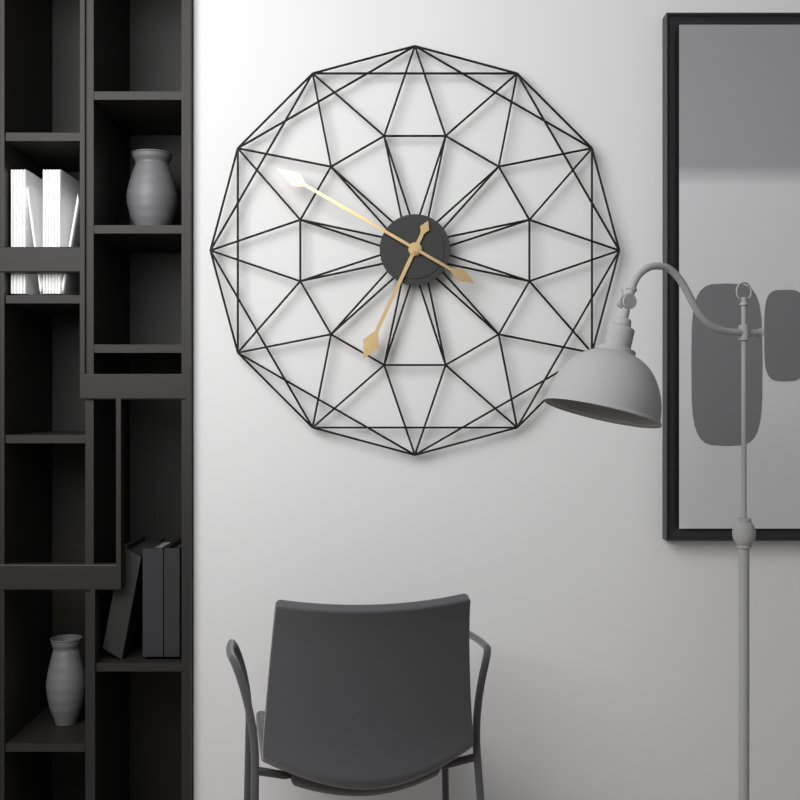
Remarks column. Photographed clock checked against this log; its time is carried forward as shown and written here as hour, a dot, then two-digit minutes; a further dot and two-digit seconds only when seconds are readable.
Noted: 6.50
